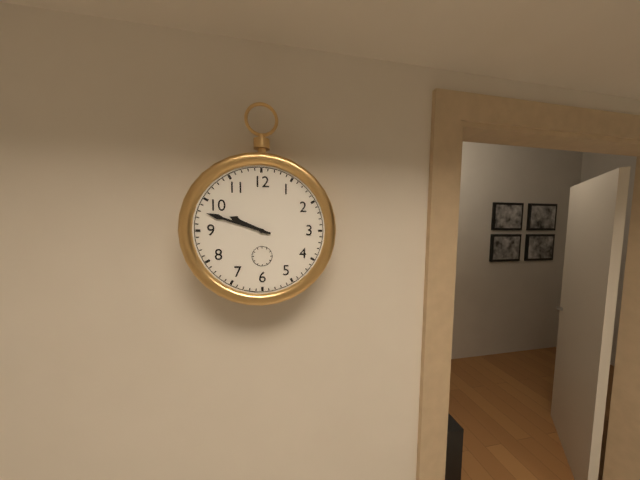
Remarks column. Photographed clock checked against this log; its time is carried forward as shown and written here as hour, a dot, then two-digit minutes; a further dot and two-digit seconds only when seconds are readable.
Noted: 9.48
